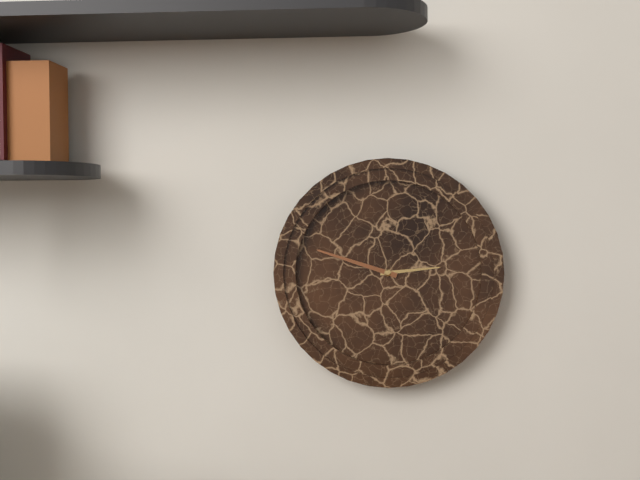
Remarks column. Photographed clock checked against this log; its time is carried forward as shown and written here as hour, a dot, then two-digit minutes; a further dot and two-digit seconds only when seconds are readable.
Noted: 2.48
